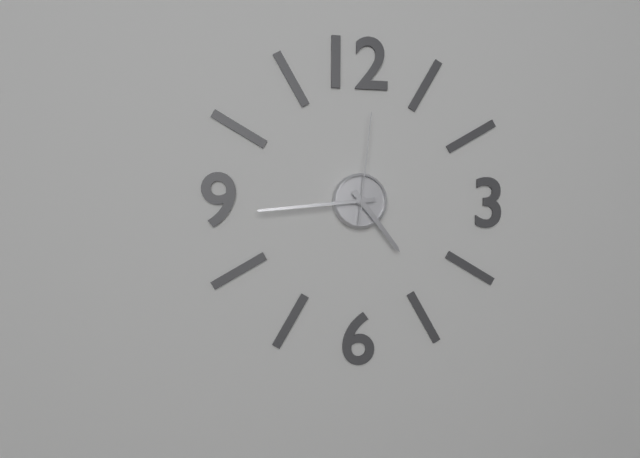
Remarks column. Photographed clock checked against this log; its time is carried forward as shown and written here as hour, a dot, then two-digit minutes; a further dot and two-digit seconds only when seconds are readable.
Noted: 4.44.01
